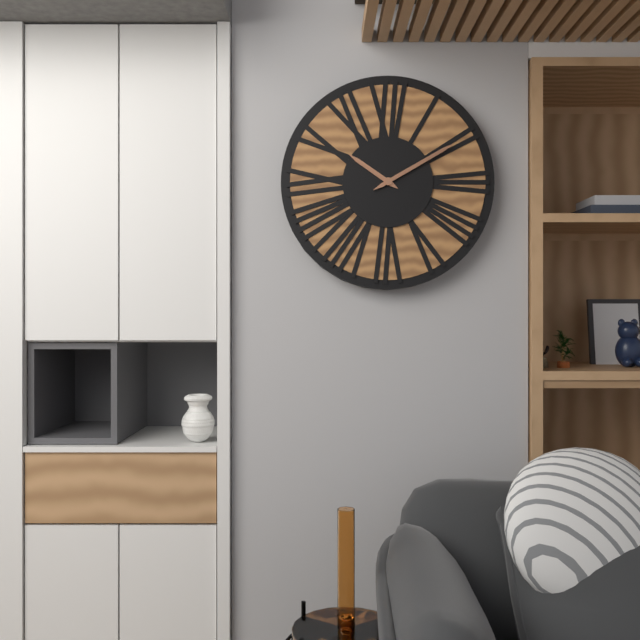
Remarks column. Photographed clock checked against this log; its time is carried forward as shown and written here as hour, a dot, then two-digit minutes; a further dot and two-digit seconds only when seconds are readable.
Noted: 10.10
